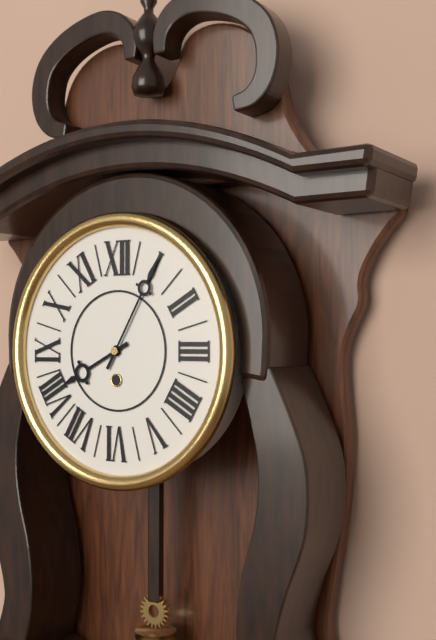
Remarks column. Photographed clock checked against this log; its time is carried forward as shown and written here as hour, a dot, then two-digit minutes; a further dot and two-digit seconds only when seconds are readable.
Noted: 8.05
